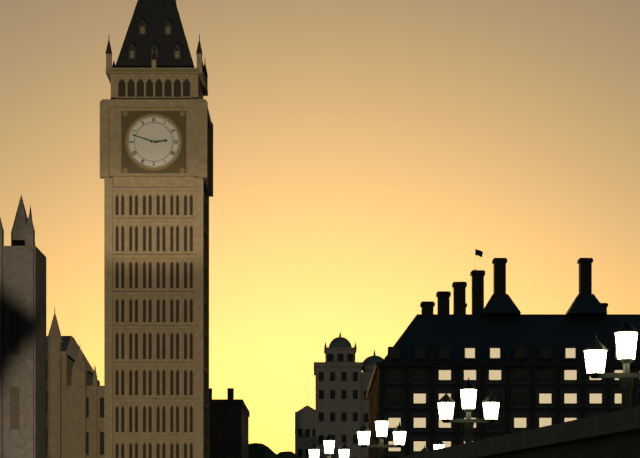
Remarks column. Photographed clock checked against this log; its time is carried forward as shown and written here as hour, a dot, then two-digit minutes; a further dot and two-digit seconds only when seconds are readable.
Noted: 2.48
